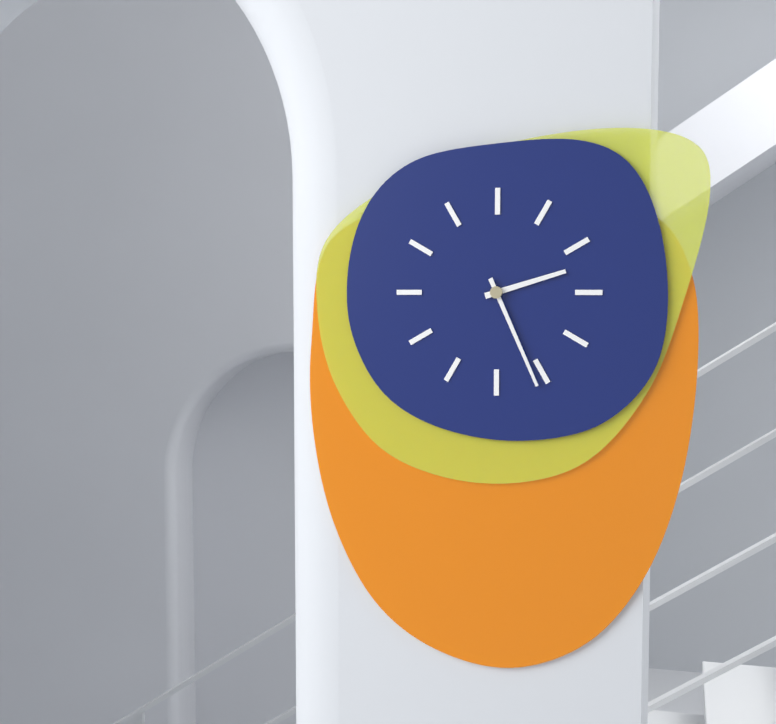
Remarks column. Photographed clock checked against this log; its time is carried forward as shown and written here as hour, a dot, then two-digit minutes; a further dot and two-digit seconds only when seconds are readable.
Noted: 2.26
